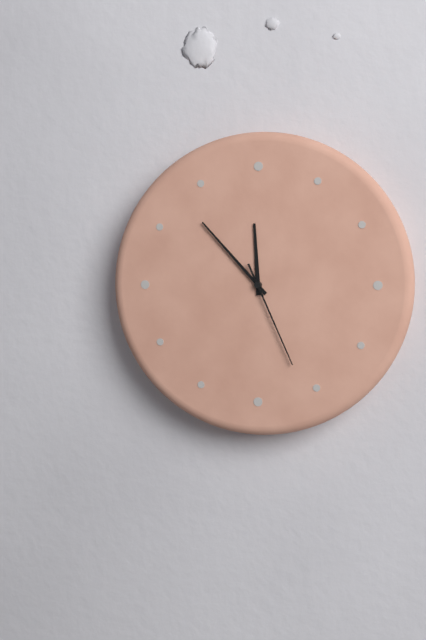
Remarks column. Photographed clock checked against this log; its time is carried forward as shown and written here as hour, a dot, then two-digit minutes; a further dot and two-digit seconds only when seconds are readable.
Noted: 11.53.26
